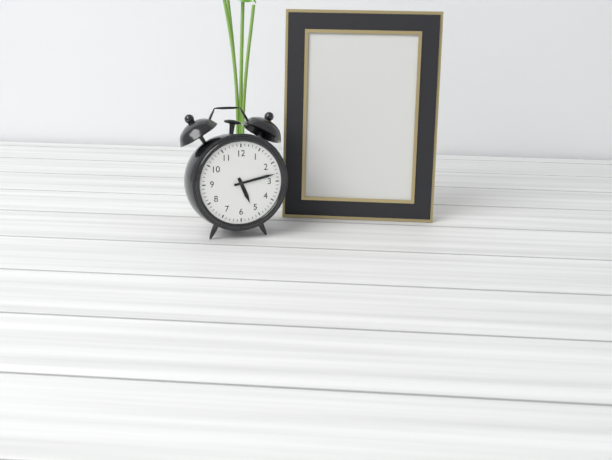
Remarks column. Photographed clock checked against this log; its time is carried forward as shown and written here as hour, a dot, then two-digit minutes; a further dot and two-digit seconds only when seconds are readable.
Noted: 5.13
